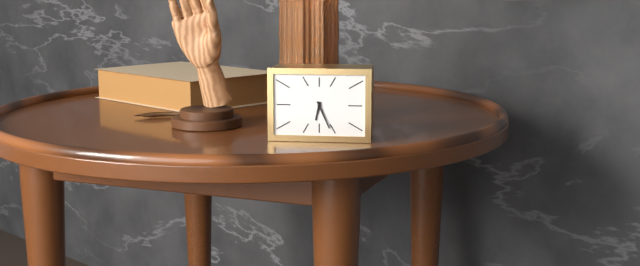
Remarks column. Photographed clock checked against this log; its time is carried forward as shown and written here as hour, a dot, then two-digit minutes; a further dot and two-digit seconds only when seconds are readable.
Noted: 6.26
